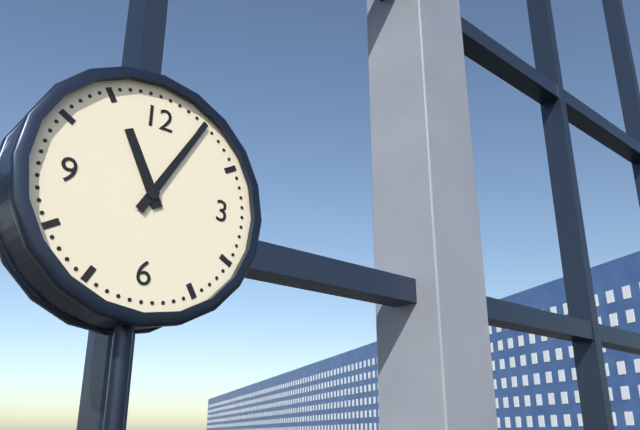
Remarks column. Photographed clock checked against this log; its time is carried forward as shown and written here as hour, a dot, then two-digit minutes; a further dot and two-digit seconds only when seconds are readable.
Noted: 11.05
